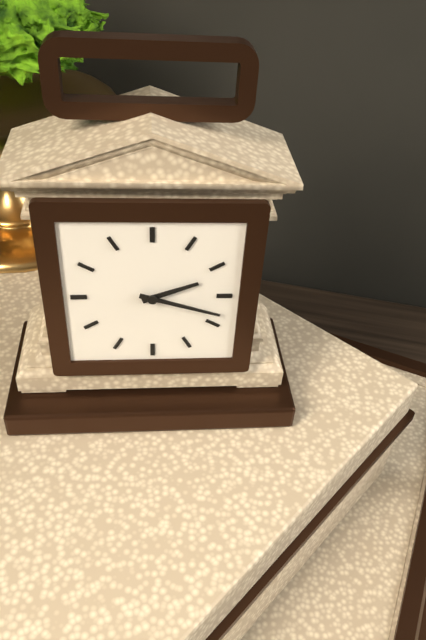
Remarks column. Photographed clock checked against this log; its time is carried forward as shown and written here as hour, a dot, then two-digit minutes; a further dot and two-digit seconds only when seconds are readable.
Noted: 2.18
